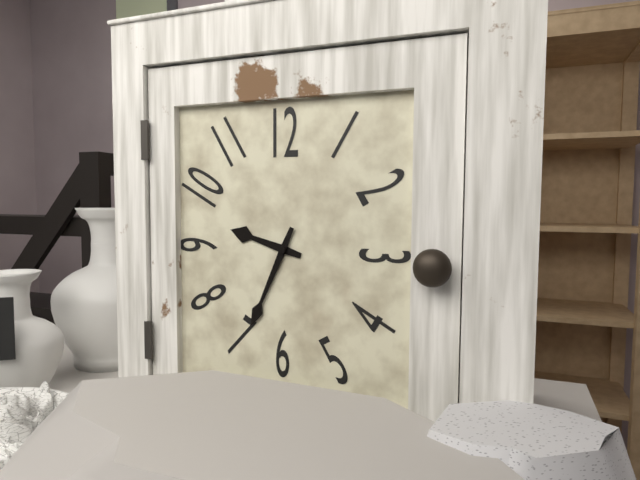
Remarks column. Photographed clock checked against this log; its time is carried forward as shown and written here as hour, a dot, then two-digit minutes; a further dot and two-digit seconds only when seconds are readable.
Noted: 9.34
